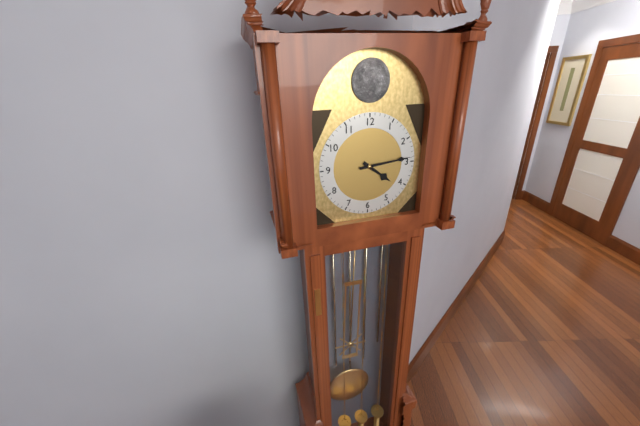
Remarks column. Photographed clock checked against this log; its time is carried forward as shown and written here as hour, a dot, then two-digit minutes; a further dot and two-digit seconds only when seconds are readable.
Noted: 4.14
